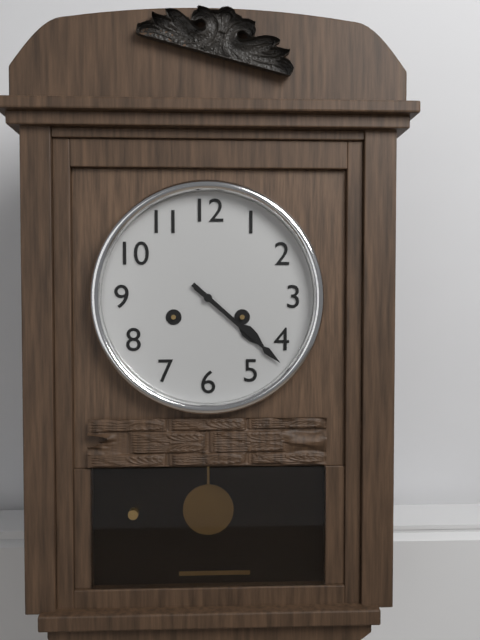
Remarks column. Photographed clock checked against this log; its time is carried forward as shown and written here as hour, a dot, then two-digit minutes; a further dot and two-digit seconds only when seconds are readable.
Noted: 4.22
